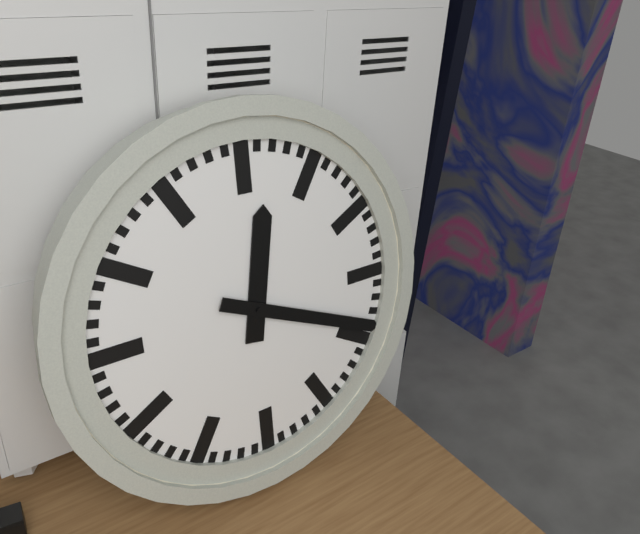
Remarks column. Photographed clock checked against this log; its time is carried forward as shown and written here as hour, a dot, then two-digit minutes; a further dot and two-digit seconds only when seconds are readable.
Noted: 12.19
